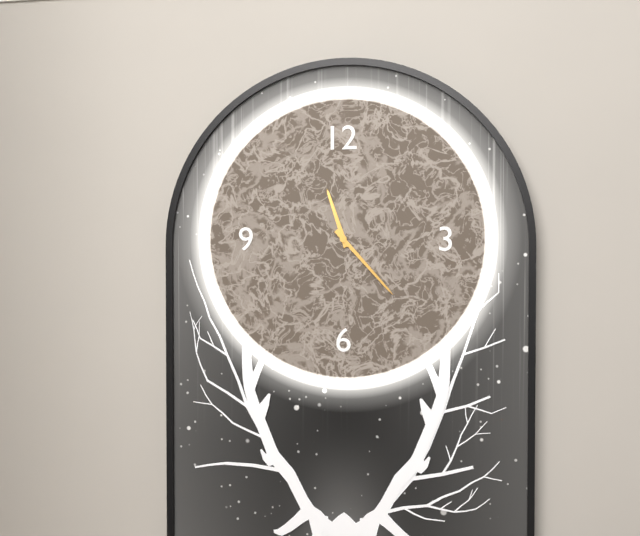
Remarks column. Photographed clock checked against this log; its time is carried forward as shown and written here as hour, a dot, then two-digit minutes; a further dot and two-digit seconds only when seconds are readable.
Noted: 11.23
